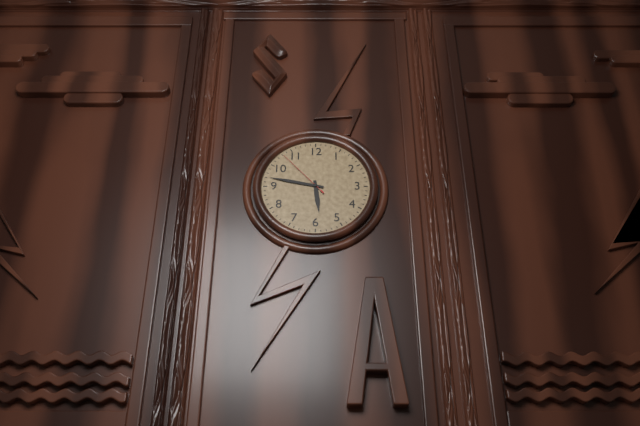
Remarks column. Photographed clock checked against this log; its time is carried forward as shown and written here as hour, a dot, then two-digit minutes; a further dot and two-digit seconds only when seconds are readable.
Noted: 5.47.53
